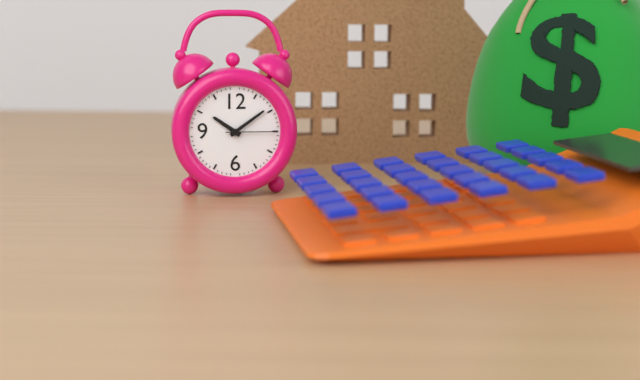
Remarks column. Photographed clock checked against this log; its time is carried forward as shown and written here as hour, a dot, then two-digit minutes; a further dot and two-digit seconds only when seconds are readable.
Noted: 10.09.15
